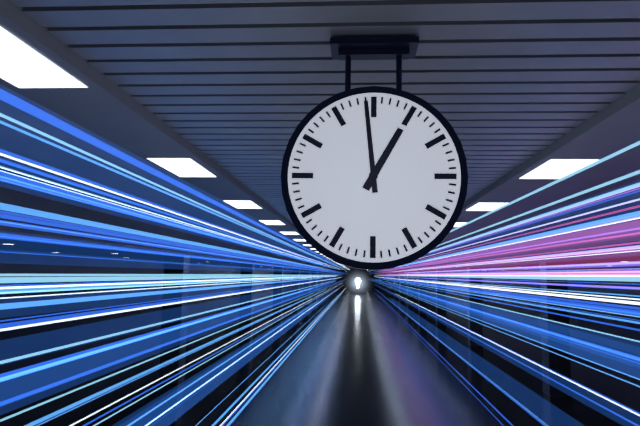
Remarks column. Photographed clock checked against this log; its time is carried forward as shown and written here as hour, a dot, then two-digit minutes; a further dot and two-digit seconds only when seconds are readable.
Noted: 12.59
